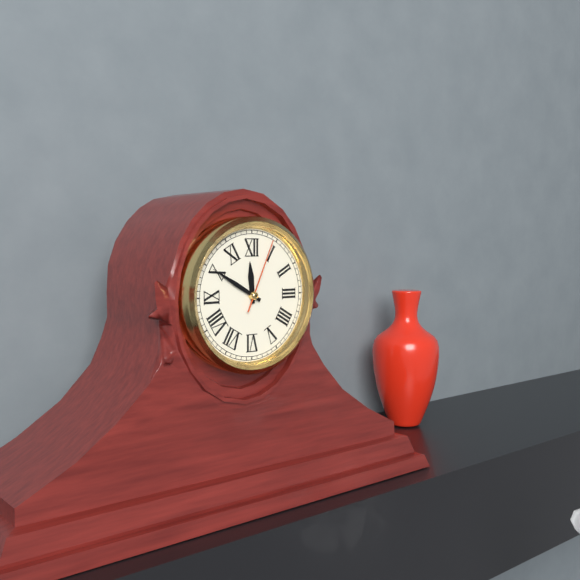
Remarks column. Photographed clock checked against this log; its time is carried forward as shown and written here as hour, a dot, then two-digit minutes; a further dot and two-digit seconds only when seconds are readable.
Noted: 11.50.04
